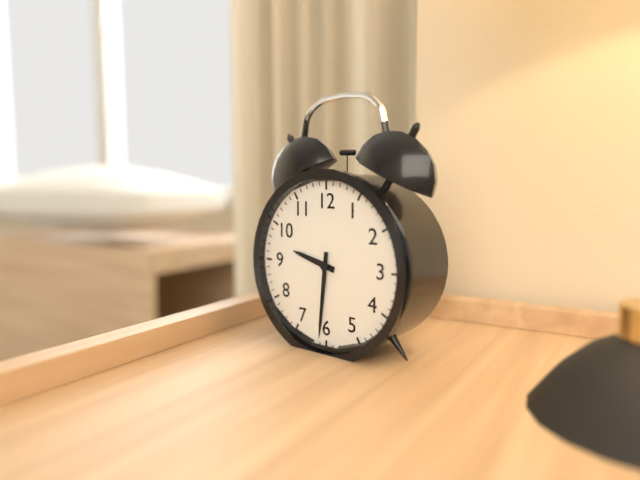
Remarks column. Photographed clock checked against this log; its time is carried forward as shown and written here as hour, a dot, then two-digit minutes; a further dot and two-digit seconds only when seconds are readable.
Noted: 9.31
